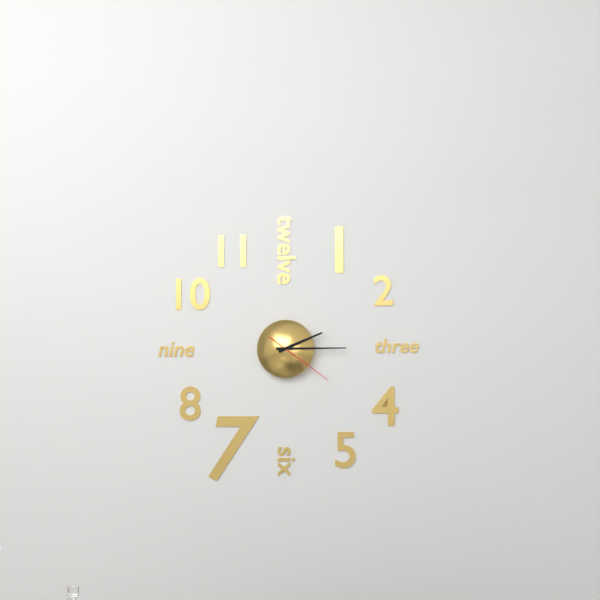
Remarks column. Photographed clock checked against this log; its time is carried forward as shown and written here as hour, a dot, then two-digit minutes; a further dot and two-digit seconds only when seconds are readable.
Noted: 2.15.21
